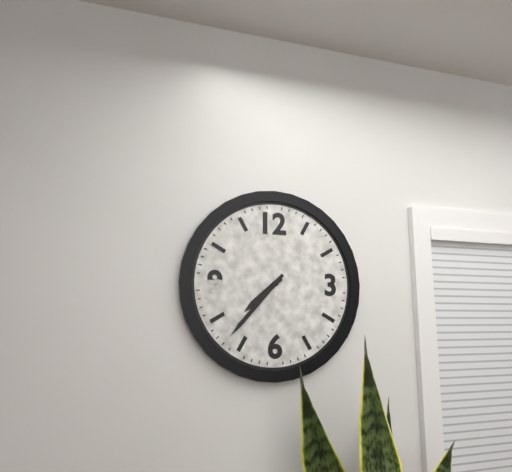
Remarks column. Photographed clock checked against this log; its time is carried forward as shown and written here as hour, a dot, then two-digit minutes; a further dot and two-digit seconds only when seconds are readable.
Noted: 7.37
